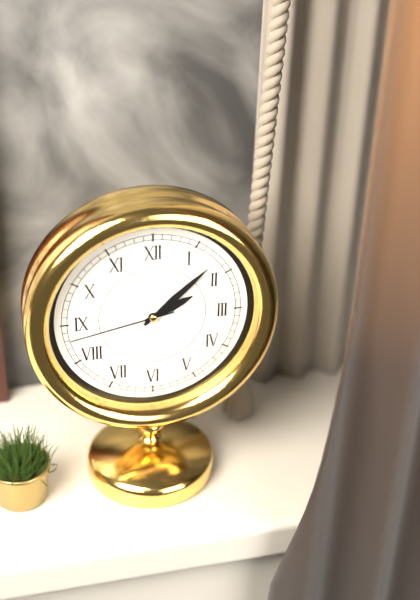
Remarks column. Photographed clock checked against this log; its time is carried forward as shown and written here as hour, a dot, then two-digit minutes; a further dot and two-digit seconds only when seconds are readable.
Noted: 2.08.43
